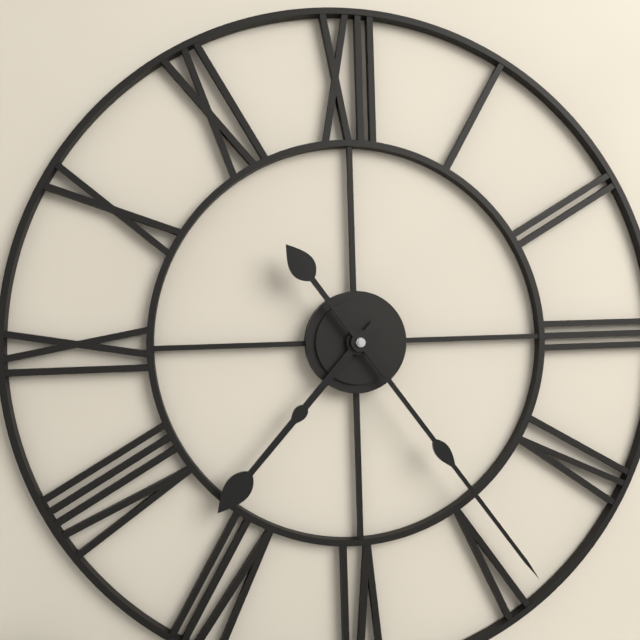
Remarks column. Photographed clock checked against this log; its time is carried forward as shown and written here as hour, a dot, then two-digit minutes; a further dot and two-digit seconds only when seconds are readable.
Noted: 7.24
